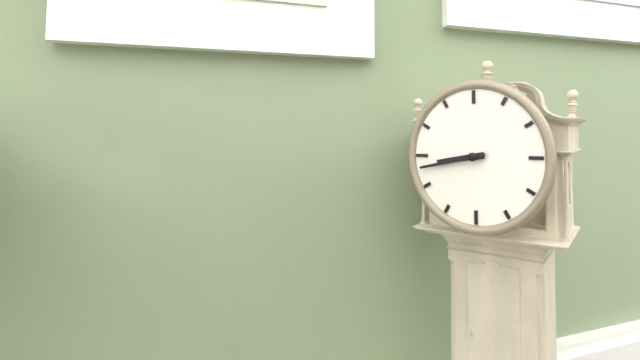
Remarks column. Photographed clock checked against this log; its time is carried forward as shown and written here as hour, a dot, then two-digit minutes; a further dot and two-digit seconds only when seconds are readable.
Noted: 8.43
